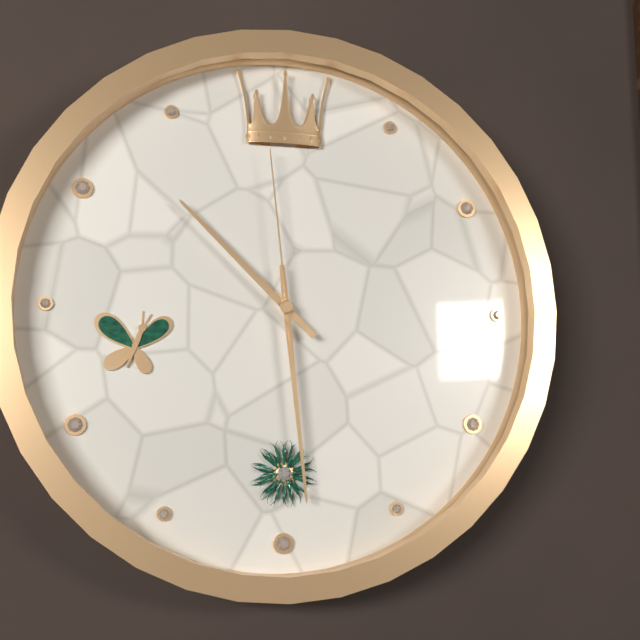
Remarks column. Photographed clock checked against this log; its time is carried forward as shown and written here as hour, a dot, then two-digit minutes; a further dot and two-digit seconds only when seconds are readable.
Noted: 10.29.59
